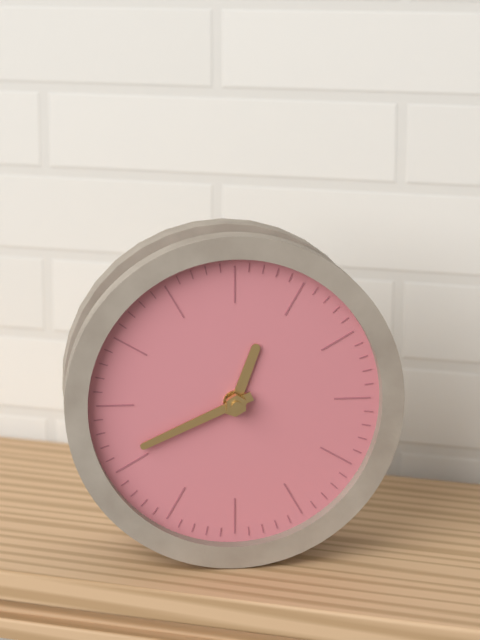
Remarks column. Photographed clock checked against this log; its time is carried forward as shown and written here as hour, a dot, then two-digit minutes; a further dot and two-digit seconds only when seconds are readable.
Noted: 12.41
